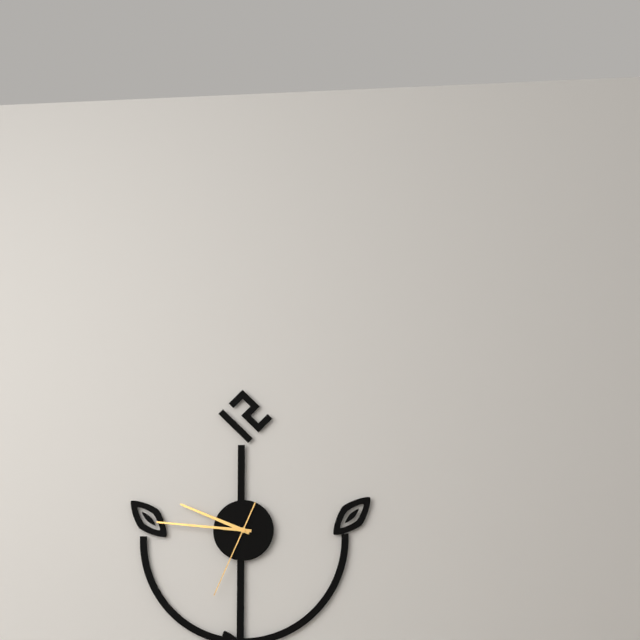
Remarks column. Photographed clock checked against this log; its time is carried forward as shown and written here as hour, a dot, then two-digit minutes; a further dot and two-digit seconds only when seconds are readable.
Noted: 9.46.34
